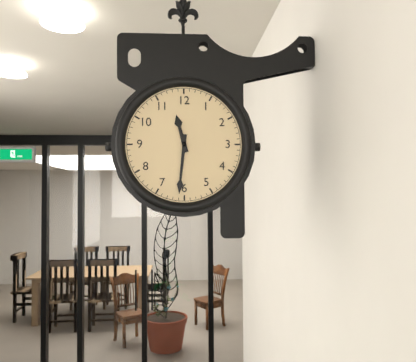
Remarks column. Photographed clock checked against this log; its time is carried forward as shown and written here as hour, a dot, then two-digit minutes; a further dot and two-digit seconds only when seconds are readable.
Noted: 11.31
